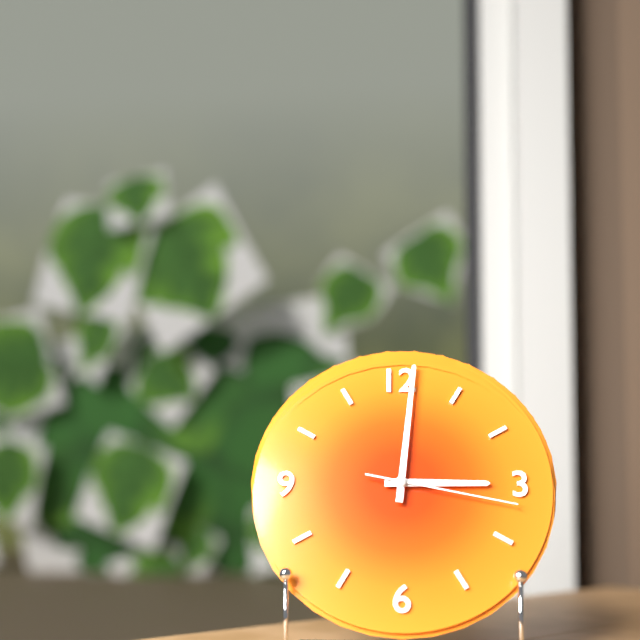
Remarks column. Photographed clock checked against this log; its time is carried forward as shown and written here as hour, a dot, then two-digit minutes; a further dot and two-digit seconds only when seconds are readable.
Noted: 3.01.17
